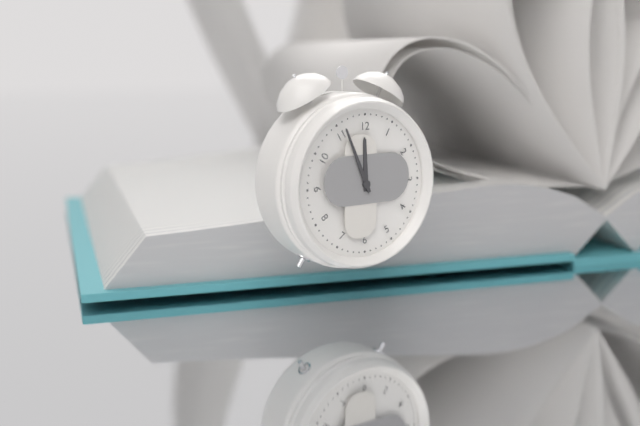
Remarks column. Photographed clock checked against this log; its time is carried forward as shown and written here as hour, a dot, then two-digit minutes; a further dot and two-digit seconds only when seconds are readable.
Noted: 11.56
